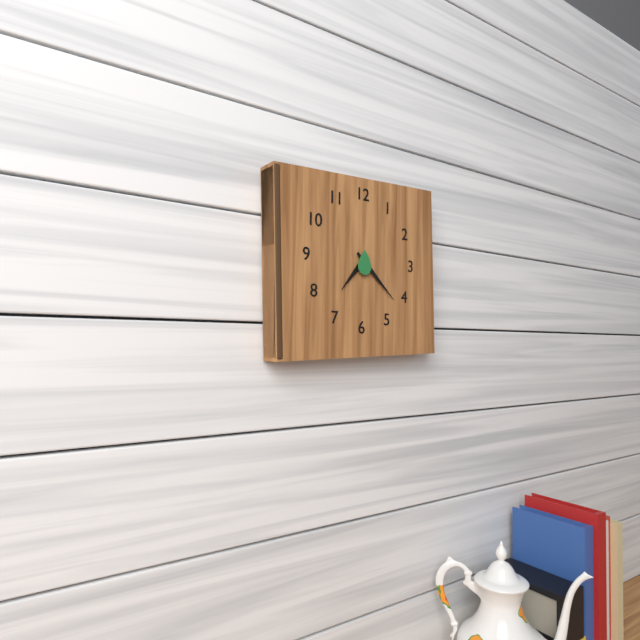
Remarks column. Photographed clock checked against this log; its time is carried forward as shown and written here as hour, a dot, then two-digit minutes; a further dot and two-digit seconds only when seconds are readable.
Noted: 7.22
